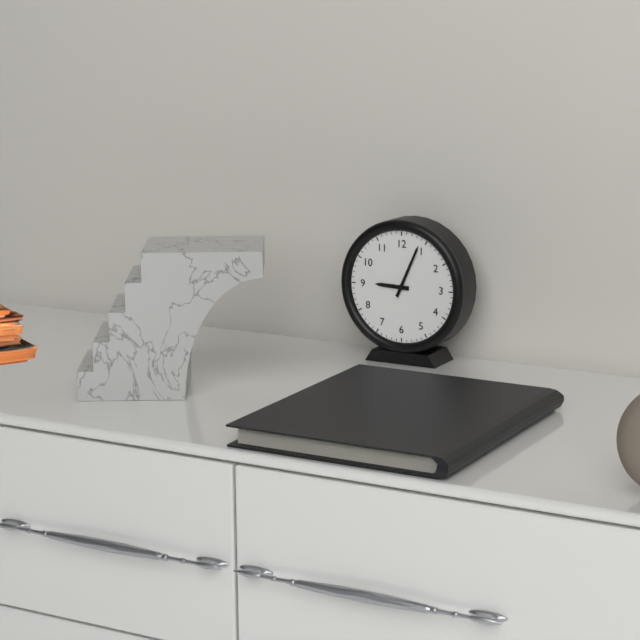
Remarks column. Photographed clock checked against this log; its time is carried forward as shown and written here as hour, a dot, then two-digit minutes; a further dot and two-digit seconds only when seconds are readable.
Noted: 9.04
